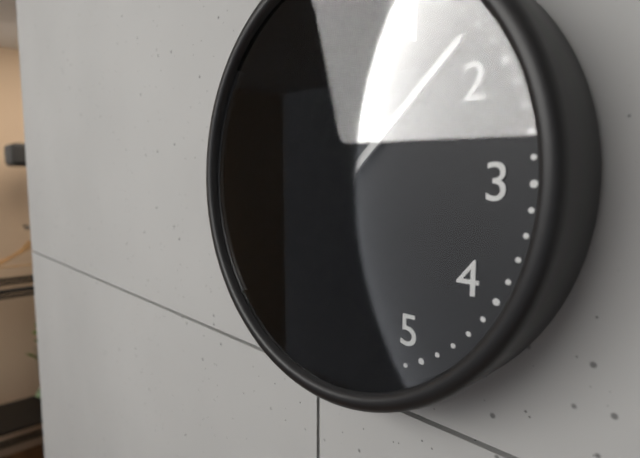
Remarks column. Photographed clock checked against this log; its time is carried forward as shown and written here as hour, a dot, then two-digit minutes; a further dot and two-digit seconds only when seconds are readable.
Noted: 12.08
